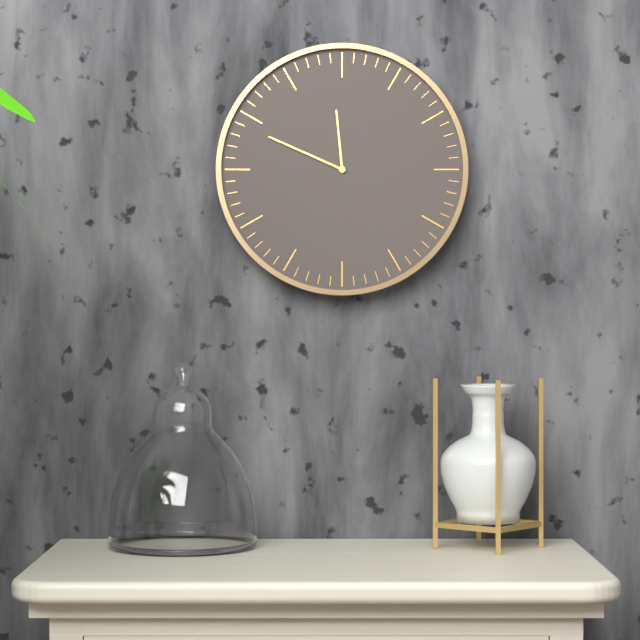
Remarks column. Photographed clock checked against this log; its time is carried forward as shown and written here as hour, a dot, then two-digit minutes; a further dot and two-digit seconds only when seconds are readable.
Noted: 11.49
